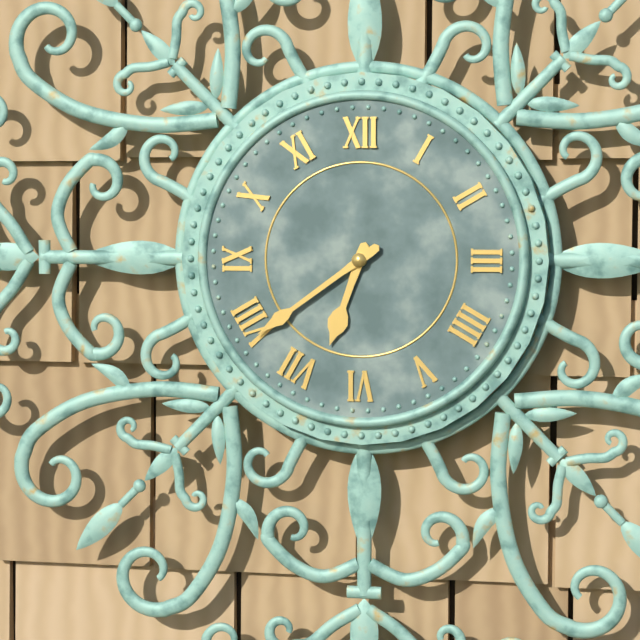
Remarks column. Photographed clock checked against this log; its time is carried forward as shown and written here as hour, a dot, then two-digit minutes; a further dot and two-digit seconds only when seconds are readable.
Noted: 6.39
